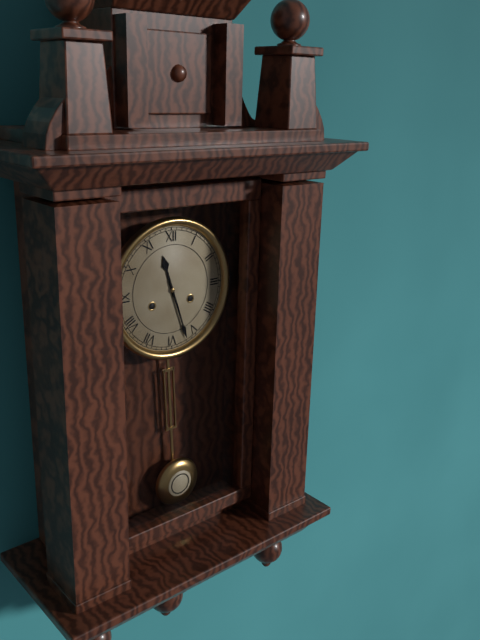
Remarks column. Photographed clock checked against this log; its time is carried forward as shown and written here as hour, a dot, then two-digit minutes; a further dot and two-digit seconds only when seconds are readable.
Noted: 11.27
